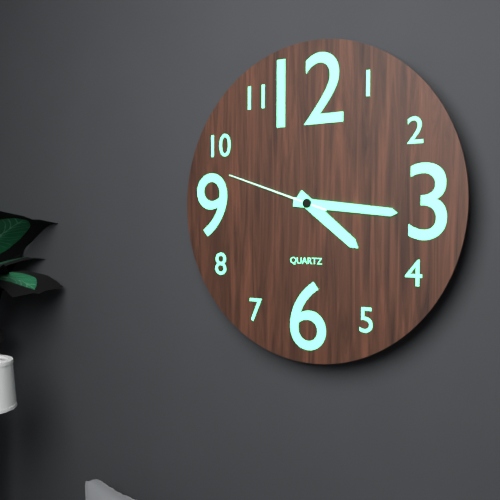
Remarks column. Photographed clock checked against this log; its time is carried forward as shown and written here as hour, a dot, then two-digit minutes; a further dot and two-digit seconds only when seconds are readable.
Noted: 4.16.48
